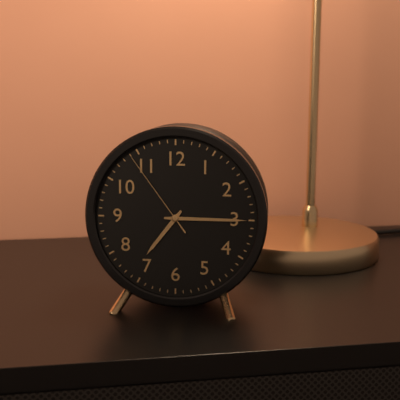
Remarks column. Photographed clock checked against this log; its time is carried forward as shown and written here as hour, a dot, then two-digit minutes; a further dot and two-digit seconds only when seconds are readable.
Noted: 7.15.54
